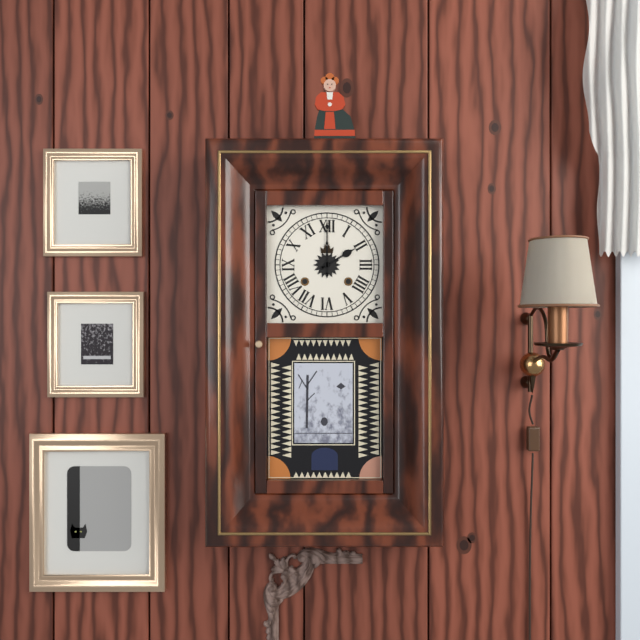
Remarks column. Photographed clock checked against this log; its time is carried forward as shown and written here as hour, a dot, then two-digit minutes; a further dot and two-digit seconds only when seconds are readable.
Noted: 2.00
